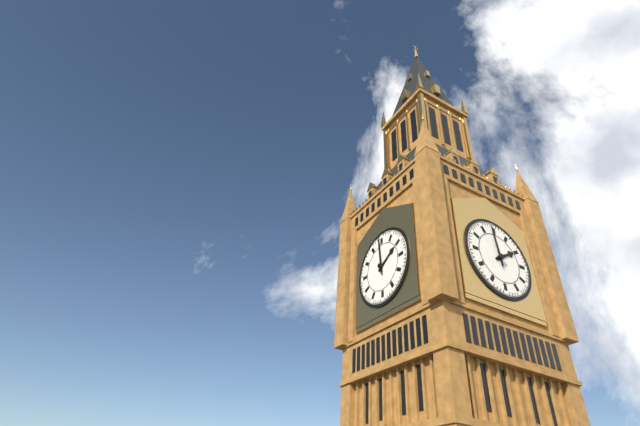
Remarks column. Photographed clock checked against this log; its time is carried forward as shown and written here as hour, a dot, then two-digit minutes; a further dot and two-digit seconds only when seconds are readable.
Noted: 1.59
